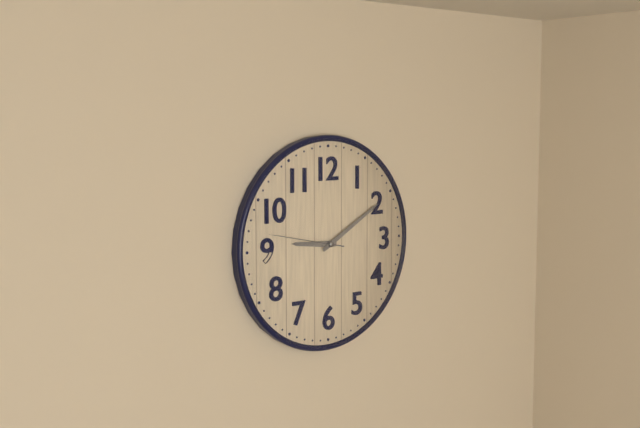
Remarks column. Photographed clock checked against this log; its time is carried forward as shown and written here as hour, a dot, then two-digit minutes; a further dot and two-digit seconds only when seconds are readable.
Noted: 9.10.47
